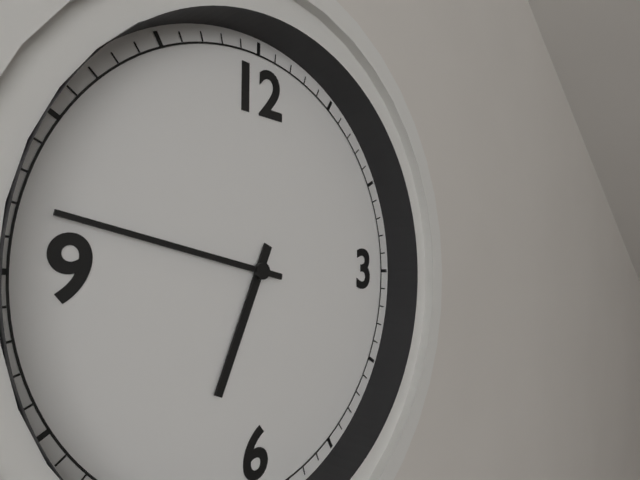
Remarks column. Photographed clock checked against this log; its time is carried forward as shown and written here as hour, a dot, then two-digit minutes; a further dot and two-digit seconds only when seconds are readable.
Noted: 6.47
